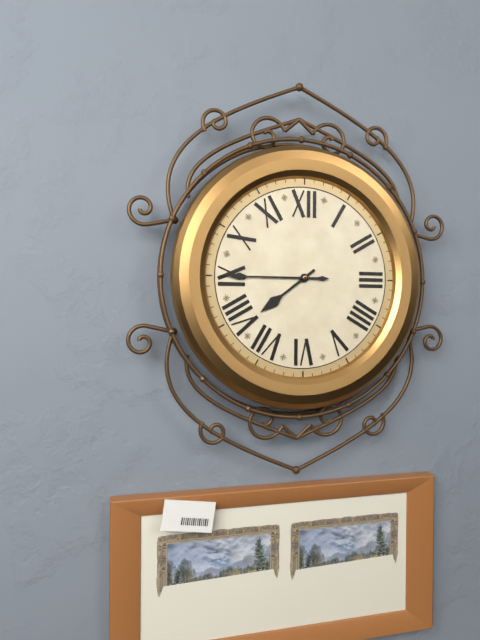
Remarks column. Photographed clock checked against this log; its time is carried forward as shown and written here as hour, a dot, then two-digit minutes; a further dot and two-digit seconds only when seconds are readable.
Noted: 7.45
